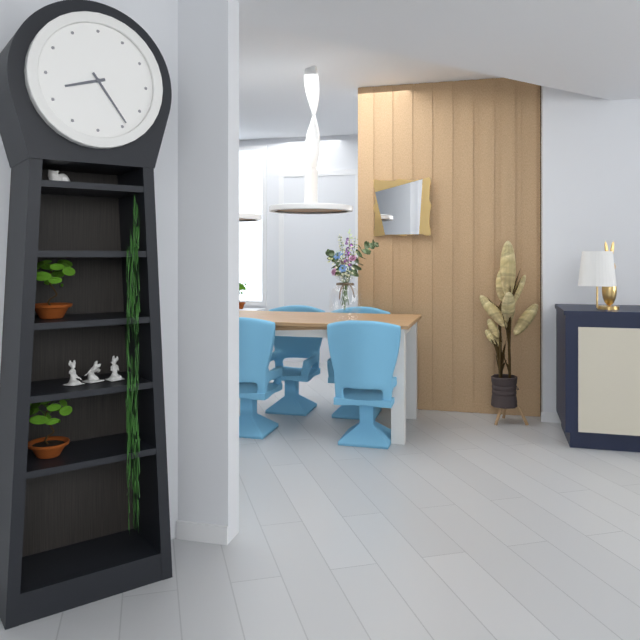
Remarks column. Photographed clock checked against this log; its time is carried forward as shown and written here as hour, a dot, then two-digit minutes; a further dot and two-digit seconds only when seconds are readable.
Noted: 8.24
